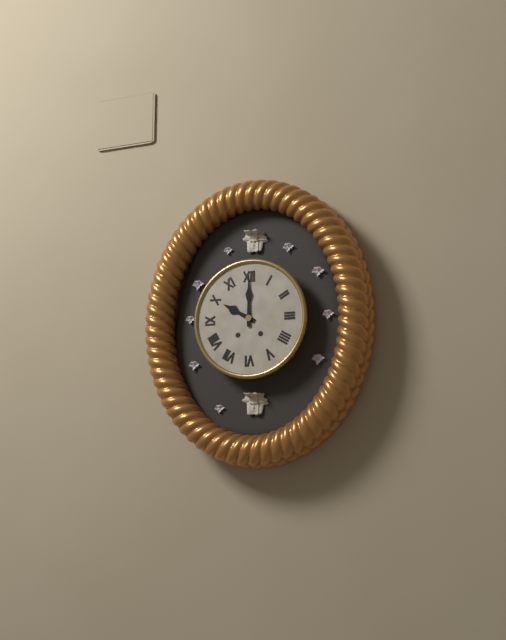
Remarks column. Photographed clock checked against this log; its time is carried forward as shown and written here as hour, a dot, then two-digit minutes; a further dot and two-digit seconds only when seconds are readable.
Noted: 10.00
